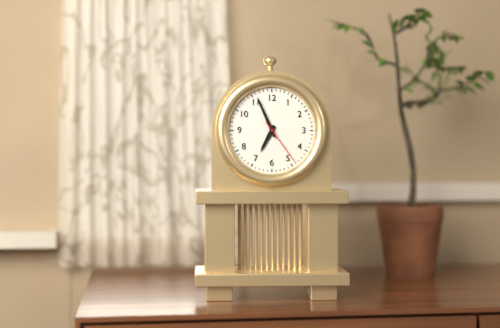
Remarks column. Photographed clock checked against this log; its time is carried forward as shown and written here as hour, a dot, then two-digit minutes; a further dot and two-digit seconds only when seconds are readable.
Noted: 6.56
